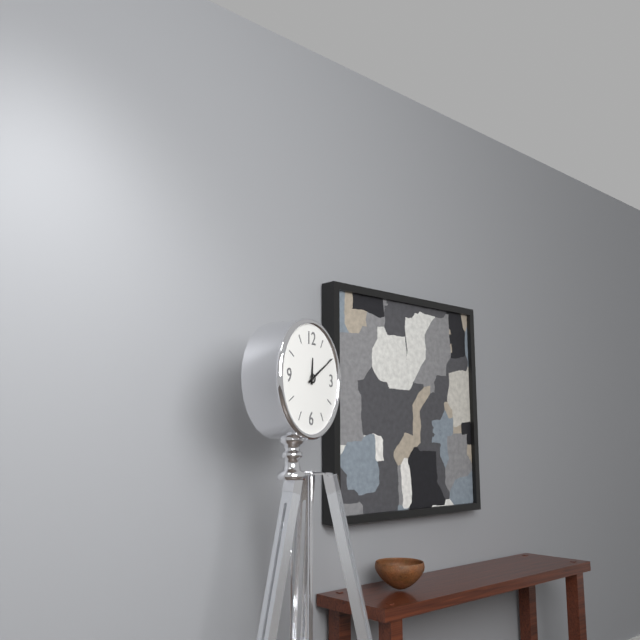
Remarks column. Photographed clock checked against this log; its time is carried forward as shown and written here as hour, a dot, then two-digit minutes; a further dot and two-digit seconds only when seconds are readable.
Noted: 12.10
